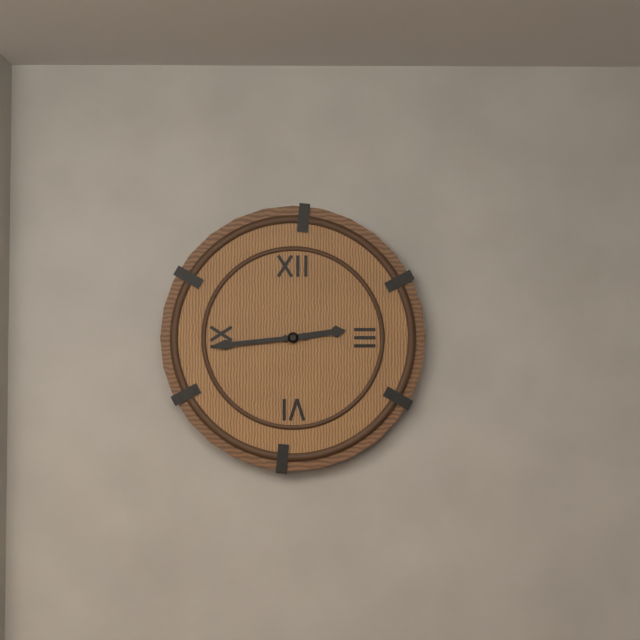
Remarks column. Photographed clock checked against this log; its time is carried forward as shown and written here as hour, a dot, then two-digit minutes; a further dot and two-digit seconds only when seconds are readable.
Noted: 2.44
